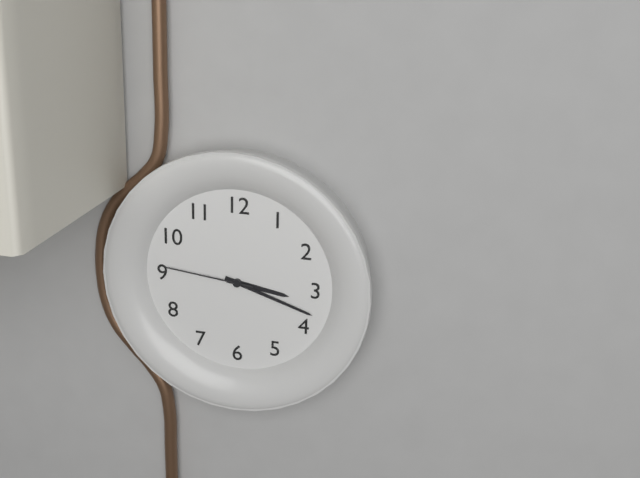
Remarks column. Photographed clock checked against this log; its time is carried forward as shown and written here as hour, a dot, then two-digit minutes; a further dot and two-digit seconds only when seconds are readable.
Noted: 3.18.46
